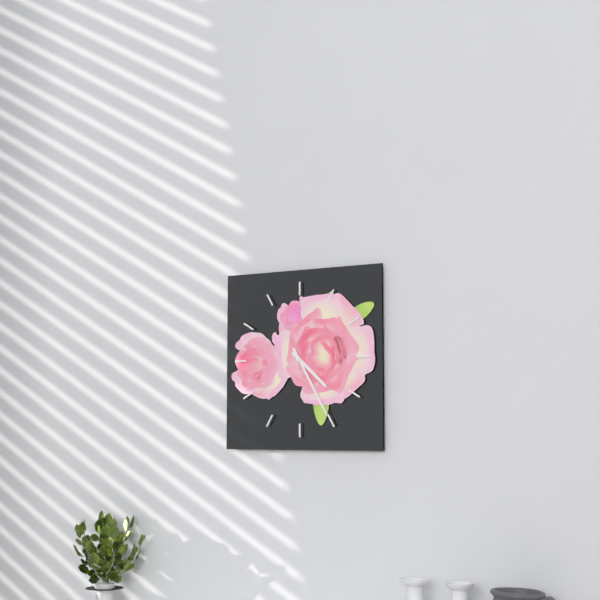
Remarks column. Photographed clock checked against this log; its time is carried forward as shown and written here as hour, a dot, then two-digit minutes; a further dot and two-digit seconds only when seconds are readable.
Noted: 4.25
